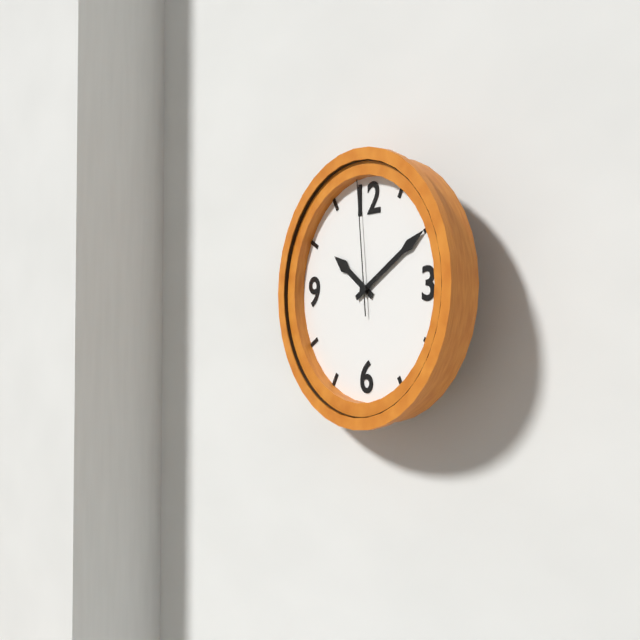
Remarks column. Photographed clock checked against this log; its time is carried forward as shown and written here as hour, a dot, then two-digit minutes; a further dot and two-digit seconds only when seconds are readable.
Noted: 10.10.59
